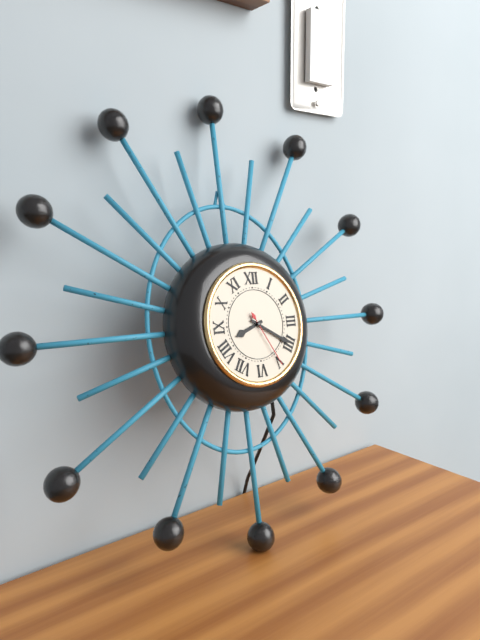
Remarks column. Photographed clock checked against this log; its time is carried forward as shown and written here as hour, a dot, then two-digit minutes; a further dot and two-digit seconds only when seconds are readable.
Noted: 8.20.25
